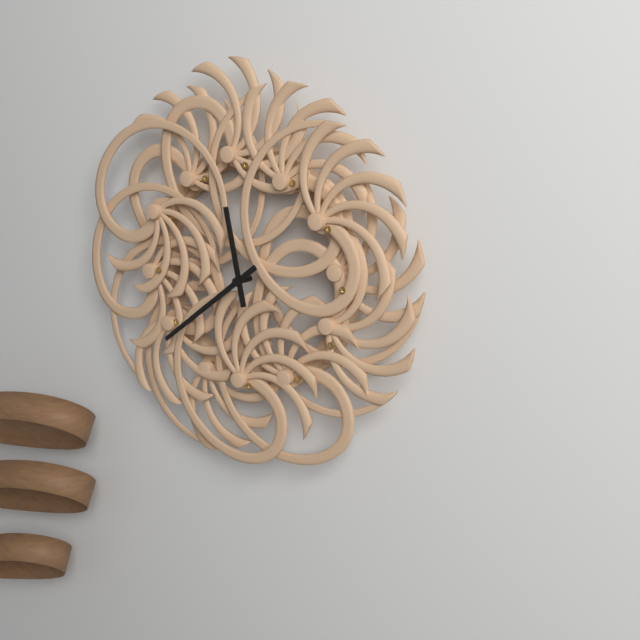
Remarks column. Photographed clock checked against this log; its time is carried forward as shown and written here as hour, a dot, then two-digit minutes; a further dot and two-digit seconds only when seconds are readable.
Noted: 11.39
